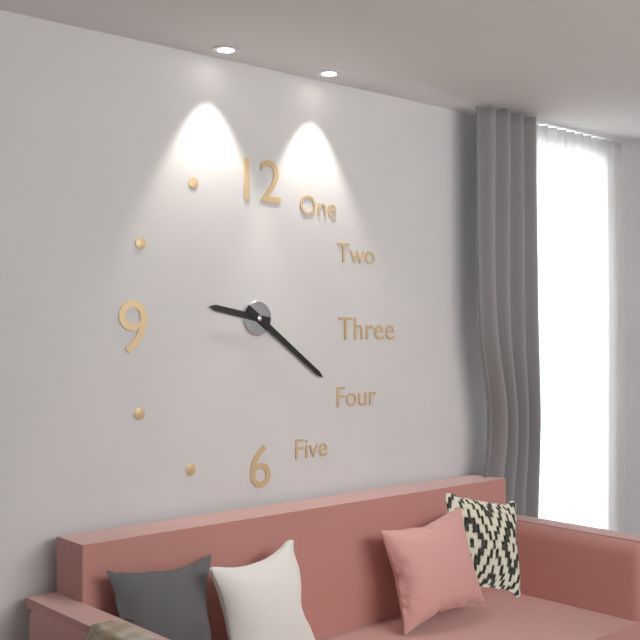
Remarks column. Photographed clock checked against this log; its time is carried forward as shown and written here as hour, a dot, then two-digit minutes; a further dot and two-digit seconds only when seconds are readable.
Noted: 9.21
